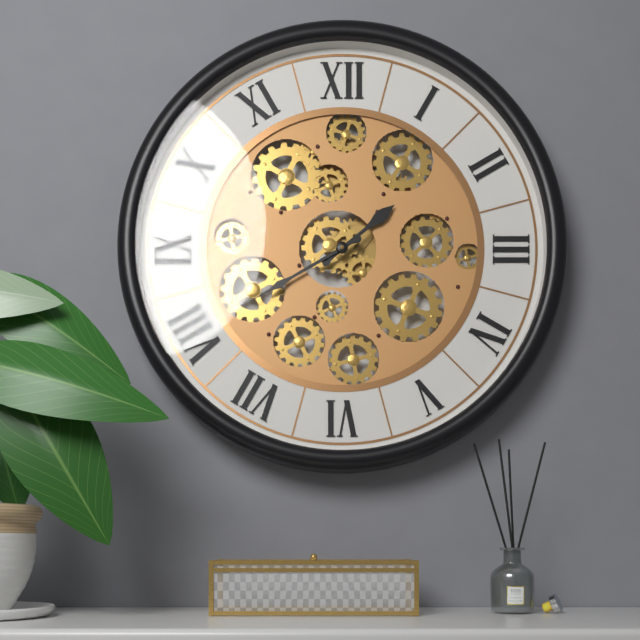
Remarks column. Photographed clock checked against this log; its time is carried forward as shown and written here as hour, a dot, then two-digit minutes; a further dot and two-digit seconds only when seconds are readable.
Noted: 1.40
